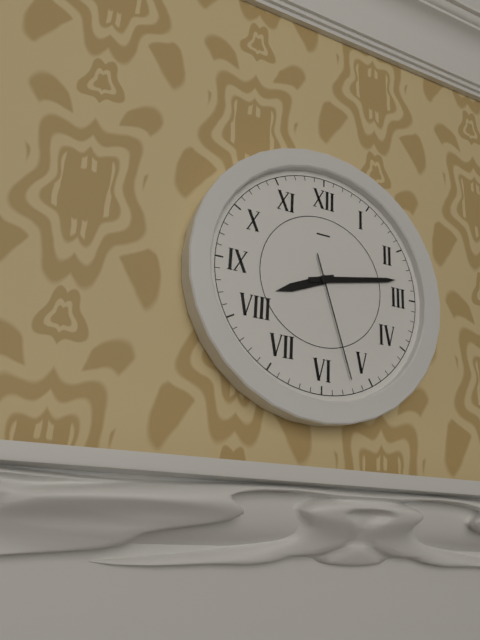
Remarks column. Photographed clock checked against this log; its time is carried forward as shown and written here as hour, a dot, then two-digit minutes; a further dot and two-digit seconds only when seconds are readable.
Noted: 8.13.27
